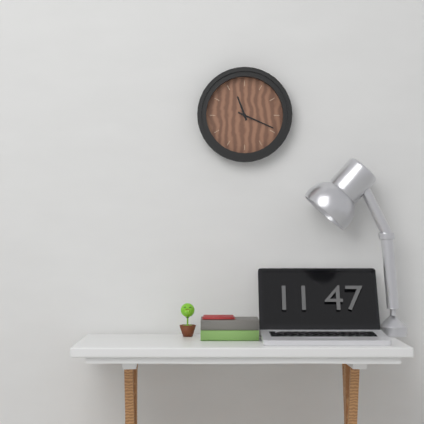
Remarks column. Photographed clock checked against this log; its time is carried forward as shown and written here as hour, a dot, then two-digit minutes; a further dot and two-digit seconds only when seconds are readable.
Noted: 11.19
